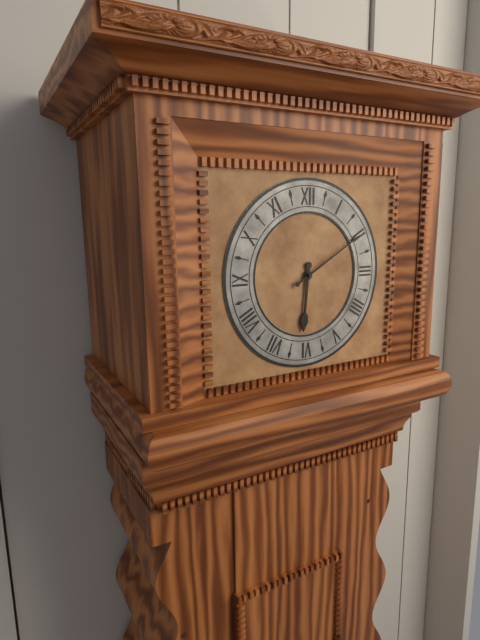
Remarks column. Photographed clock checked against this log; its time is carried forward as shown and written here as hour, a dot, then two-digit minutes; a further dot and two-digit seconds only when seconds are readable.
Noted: 6.10
